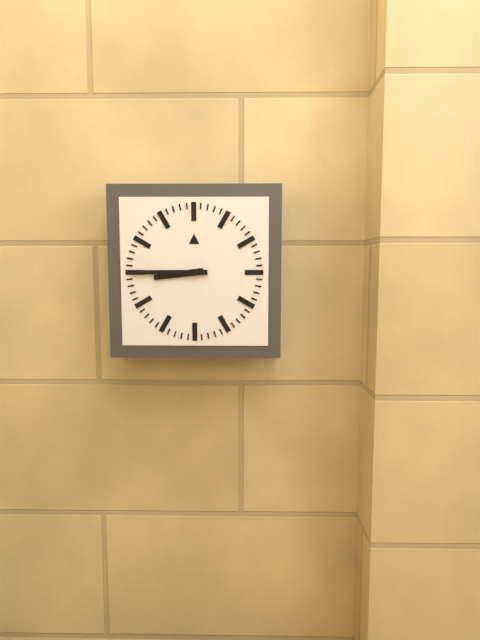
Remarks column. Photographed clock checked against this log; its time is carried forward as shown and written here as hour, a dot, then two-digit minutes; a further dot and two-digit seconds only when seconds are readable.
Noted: 8.45
